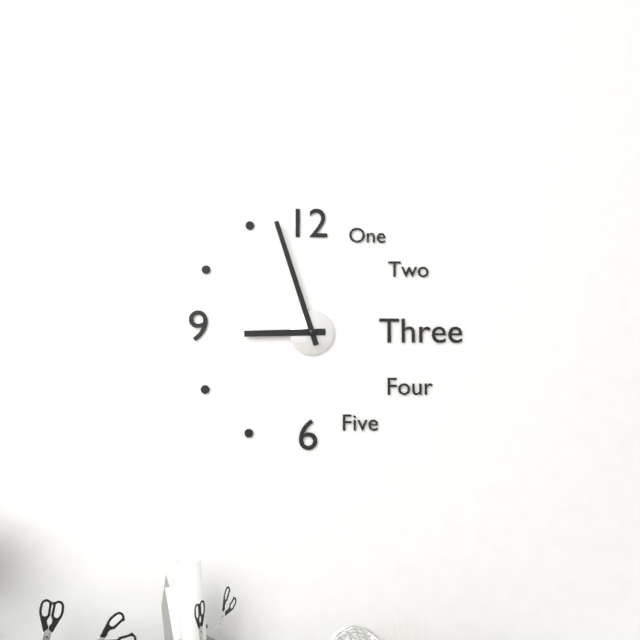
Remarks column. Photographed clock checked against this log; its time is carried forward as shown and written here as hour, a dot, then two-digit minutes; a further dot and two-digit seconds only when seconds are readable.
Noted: 8.57
